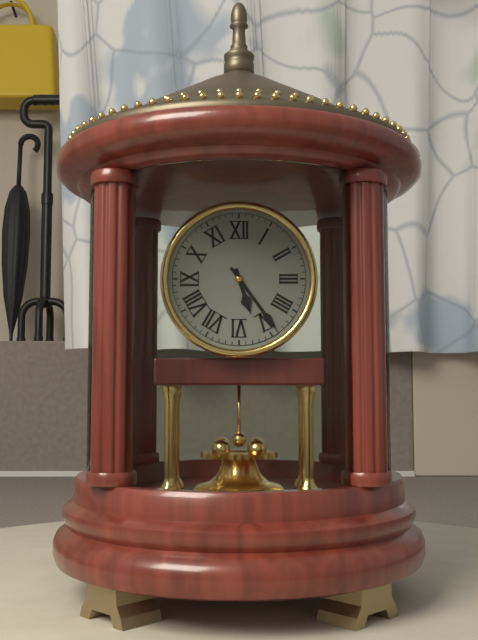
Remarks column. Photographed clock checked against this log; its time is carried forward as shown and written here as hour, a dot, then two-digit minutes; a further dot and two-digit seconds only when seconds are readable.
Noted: 5.24
